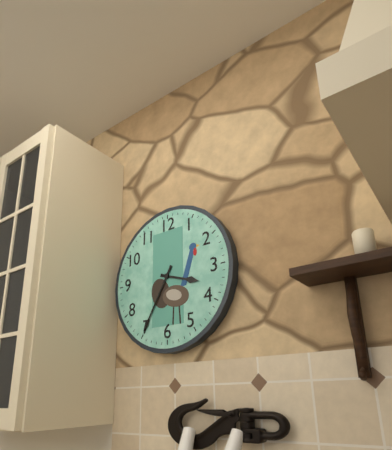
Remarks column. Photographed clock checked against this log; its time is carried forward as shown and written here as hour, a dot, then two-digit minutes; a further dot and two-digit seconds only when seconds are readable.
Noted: 3.35
